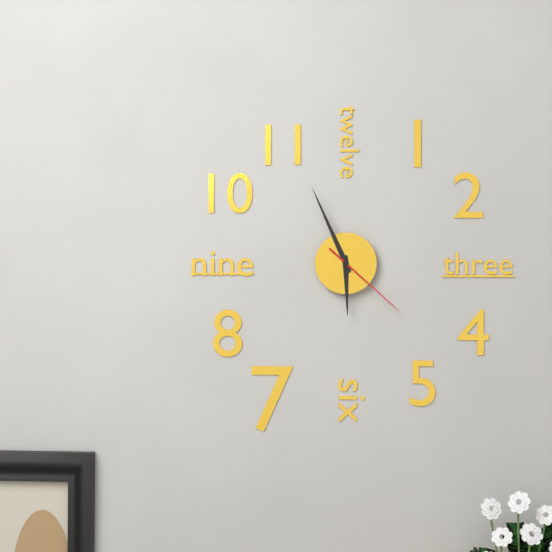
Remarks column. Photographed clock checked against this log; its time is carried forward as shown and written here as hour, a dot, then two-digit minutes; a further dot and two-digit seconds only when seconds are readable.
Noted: 5.56.22
